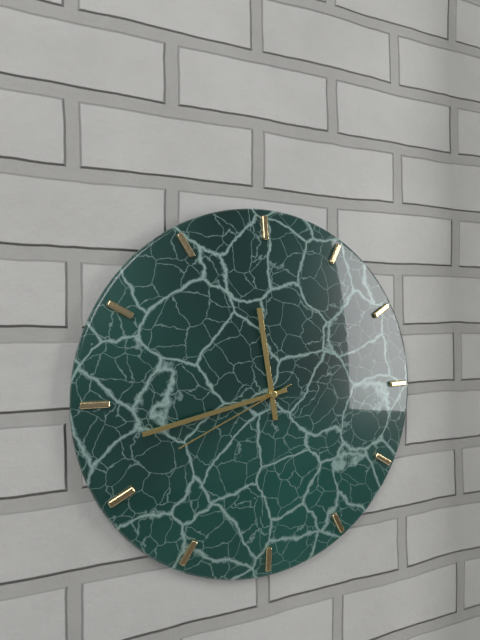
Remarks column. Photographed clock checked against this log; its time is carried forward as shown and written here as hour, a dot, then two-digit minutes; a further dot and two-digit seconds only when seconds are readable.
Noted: 11.43.41
